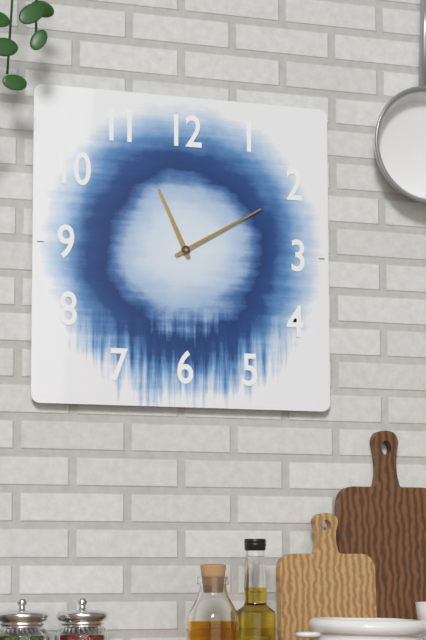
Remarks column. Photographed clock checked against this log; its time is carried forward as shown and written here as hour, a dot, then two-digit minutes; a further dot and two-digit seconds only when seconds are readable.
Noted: 11.10
